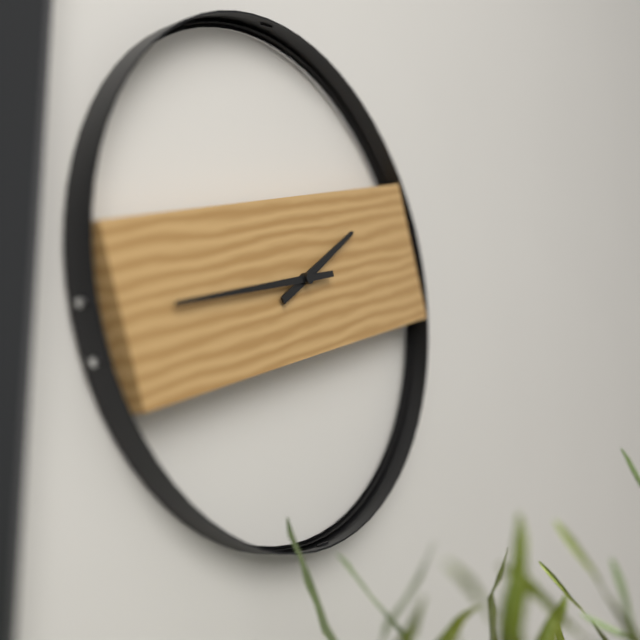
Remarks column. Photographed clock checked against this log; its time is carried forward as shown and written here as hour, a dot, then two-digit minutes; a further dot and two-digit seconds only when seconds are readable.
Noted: 1.42
